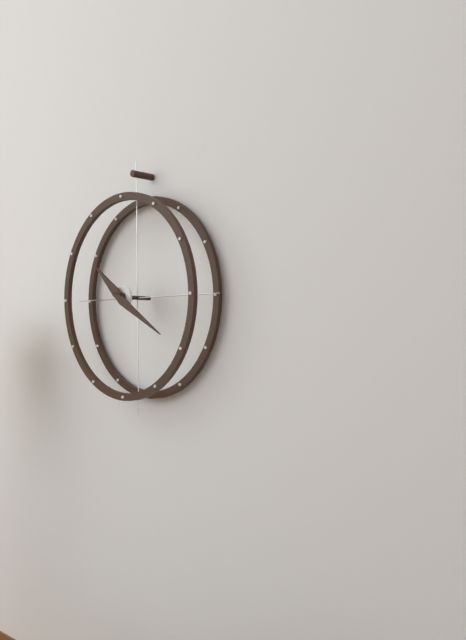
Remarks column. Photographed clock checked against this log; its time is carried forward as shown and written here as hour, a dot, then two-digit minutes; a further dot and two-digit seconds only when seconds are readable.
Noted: 10.20
